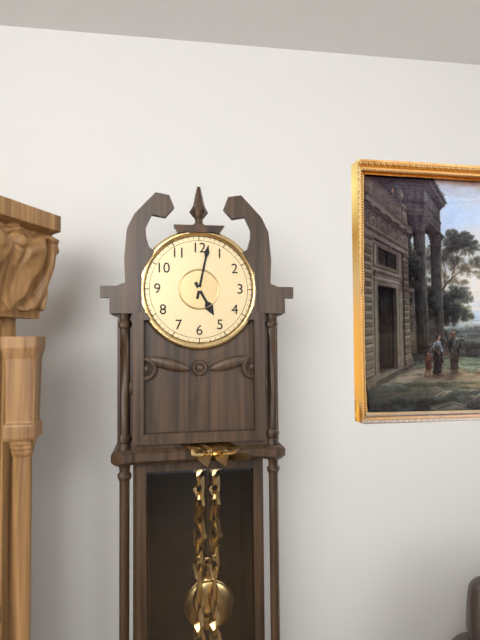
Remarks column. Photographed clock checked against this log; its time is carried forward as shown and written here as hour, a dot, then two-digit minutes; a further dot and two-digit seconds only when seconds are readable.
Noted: 5.02
